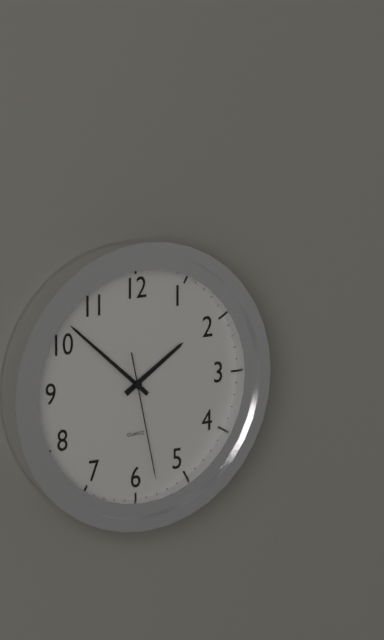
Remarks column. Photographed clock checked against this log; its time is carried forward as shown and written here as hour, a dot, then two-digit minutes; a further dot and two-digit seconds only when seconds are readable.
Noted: 1.52.28
